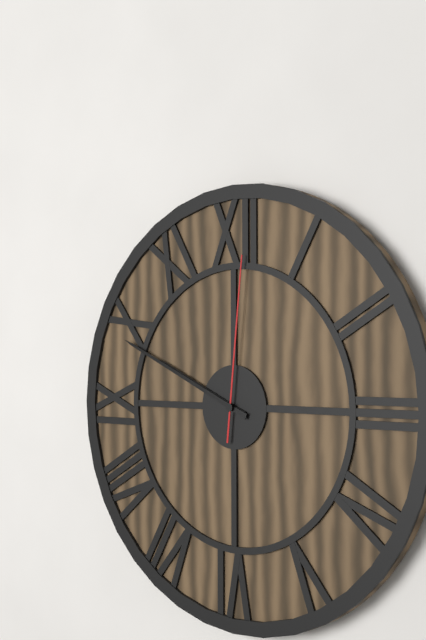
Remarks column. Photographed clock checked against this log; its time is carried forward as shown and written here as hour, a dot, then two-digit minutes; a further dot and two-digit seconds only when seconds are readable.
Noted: 9.49.01
